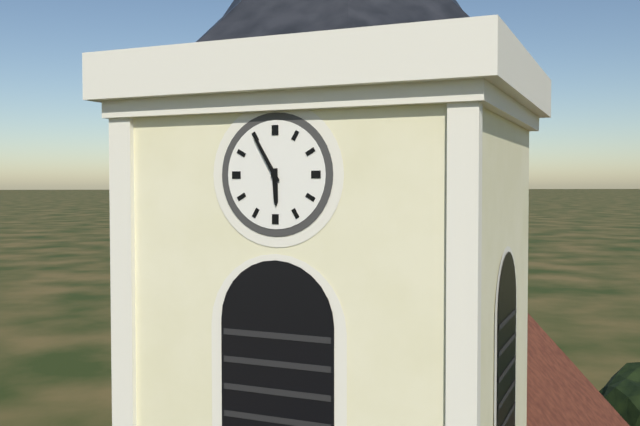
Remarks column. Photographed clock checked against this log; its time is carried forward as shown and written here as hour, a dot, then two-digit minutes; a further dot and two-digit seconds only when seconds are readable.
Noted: 5.55
